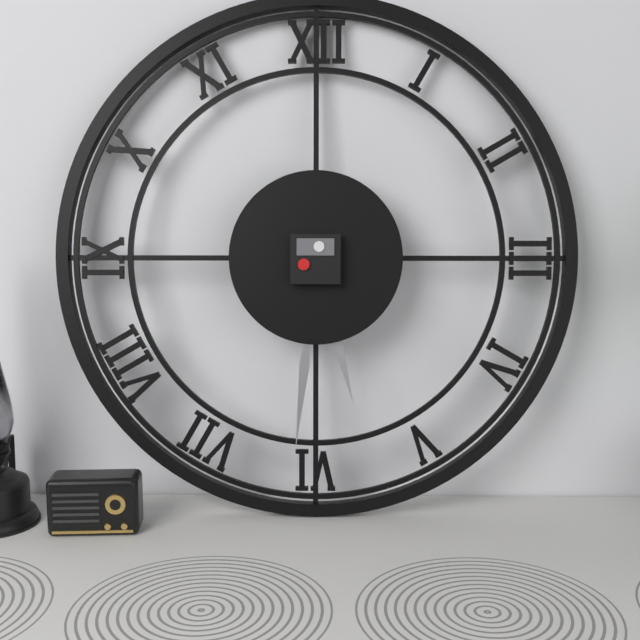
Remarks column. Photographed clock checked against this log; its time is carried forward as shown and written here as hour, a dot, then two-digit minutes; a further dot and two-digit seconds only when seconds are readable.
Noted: 5.31
